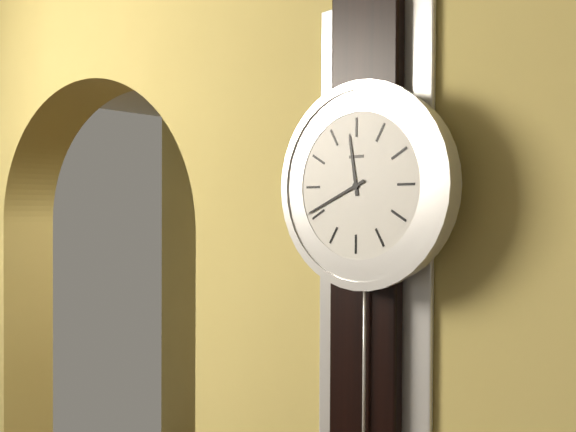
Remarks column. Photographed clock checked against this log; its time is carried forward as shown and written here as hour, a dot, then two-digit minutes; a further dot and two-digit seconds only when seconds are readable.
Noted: 11.41
